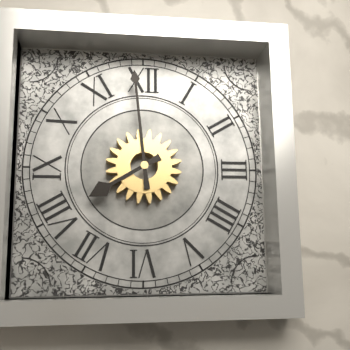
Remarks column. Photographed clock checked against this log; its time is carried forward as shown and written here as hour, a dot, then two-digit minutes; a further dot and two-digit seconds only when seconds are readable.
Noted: 7.59
